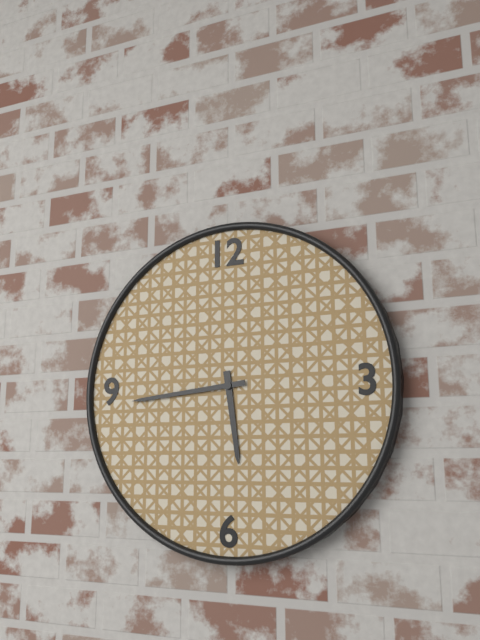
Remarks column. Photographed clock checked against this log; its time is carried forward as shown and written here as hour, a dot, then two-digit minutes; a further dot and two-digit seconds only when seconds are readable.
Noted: 5.44
